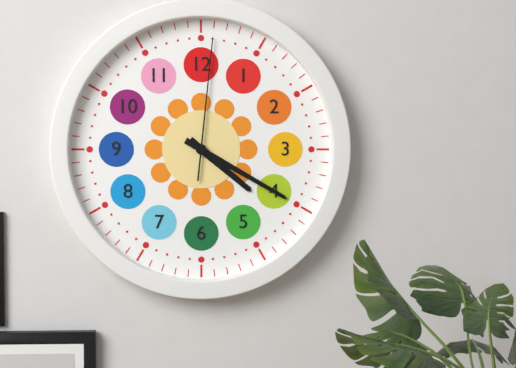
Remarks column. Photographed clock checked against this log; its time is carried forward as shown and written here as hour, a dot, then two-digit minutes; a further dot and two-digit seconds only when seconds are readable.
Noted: 4.20.01
